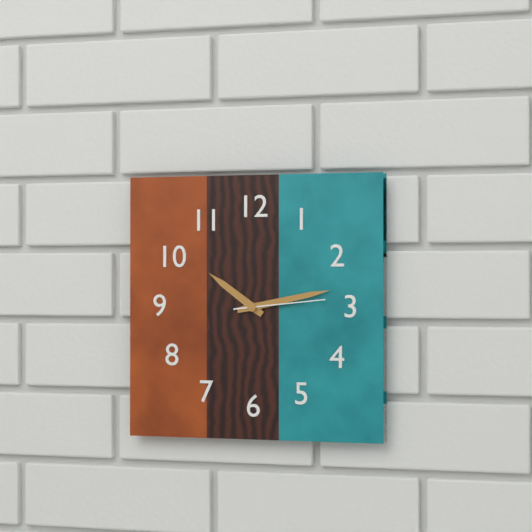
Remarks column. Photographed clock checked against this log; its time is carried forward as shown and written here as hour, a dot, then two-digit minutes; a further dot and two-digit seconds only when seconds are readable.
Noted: 10.13.14
